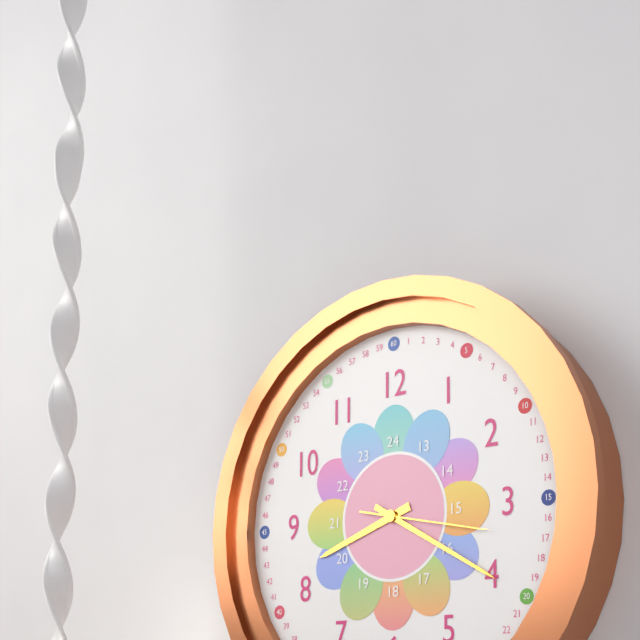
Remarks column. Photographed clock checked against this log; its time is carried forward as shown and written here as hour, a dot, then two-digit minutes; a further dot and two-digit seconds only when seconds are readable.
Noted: 8.20.17
